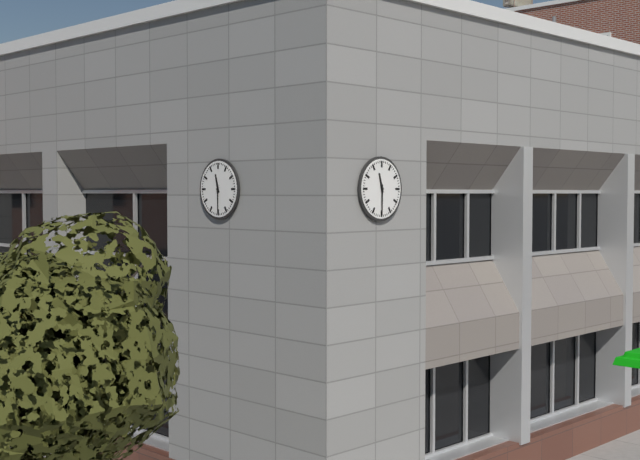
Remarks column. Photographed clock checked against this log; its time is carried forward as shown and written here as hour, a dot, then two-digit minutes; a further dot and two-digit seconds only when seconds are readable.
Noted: 11.30
